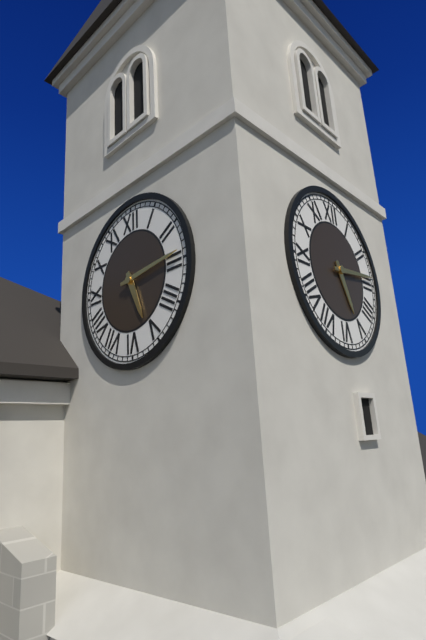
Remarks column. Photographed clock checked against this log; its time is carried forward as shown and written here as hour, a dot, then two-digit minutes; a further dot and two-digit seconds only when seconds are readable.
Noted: 5.14
